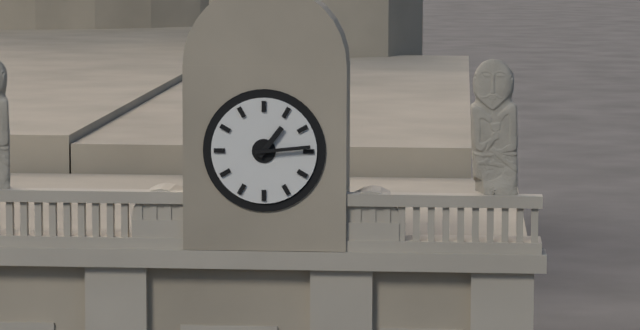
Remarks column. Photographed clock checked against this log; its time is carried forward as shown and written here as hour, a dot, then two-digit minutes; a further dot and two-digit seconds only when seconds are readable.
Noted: 1.14
